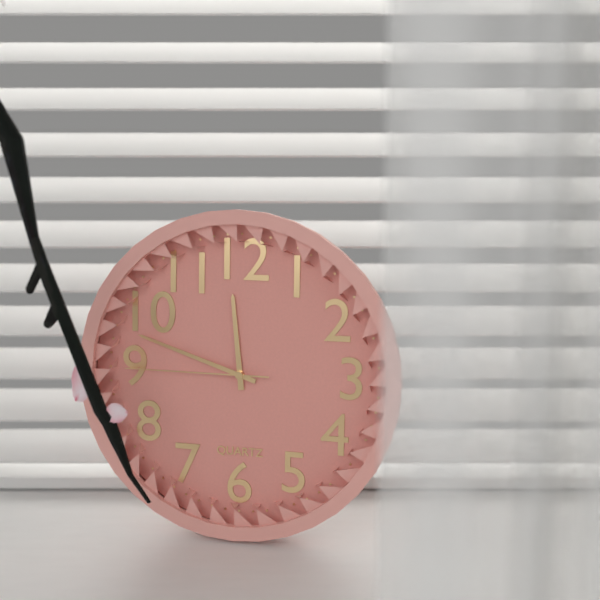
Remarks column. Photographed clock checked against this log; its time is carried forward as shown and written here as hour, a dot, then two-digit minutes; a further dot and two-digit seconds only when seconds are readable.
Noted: 11.48.45
